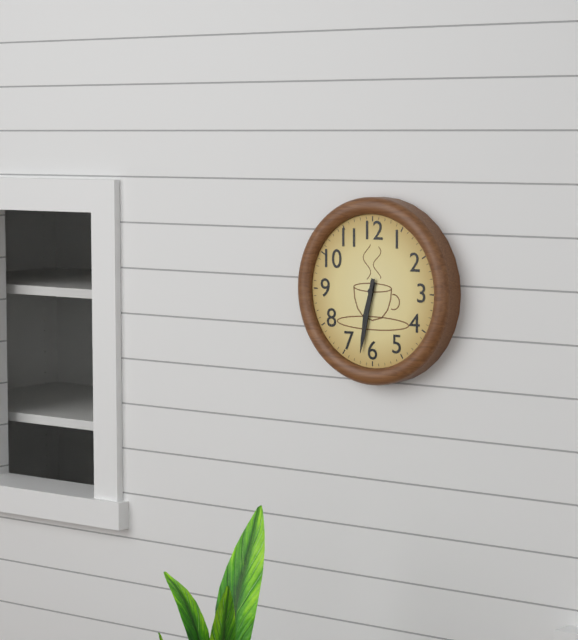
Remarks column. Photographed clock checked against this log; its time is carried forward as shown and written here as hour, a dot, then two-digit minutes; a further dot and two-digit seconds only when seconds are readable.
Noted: 6.32
